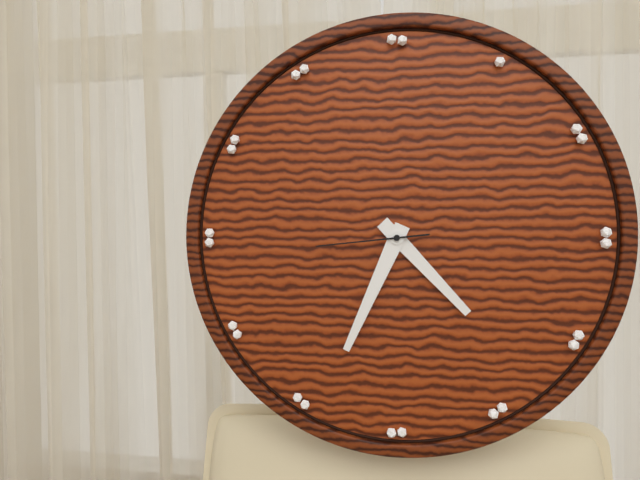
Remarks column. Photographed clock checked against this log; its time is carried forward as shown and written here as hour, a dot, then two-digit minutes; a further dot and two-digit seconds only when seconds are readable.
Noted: 4.34.44
